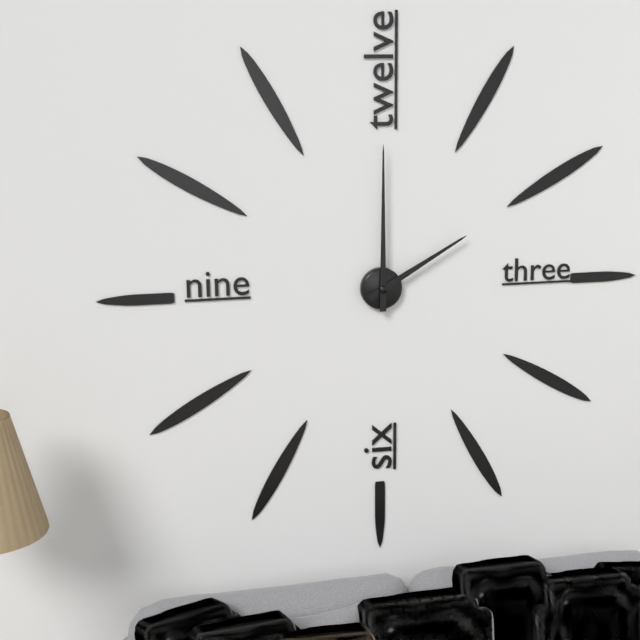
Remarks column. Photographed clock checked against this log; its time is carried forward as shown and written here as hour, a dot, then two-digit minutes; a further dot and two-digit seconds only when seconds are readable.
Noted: 2.00
